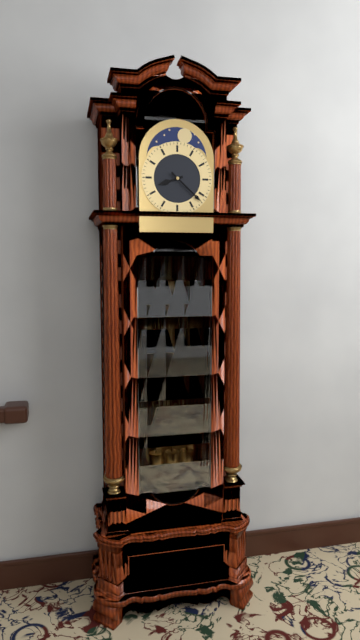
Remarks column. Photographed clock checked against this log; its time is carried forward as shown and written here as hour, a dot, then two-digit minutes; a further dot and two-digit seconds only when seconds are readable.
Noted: 8.22
